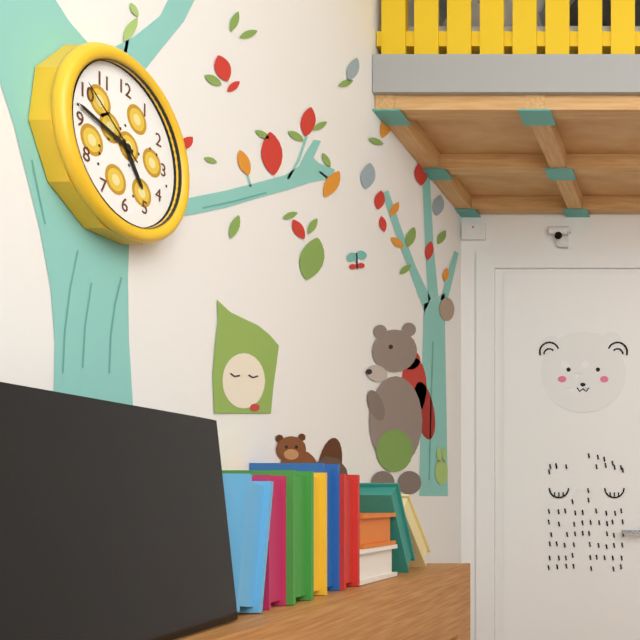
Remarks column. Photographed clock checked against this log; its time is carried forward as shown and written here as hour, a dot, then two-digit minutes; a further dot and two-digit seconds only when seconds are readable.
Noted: 4.47.51
